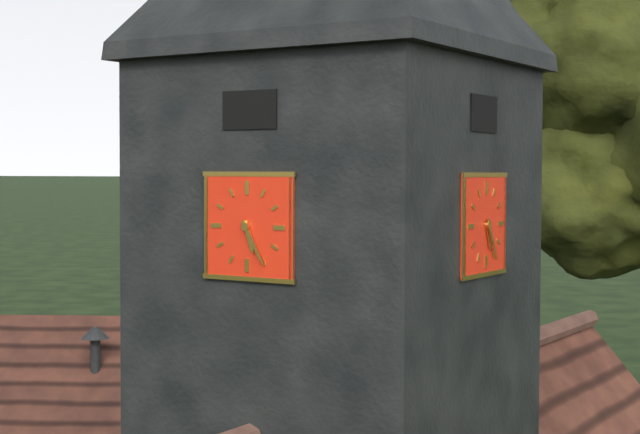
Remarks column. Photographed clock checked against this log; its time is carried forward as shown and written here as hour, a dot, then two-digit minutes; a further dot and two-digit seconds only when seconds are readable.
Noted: 5.25
